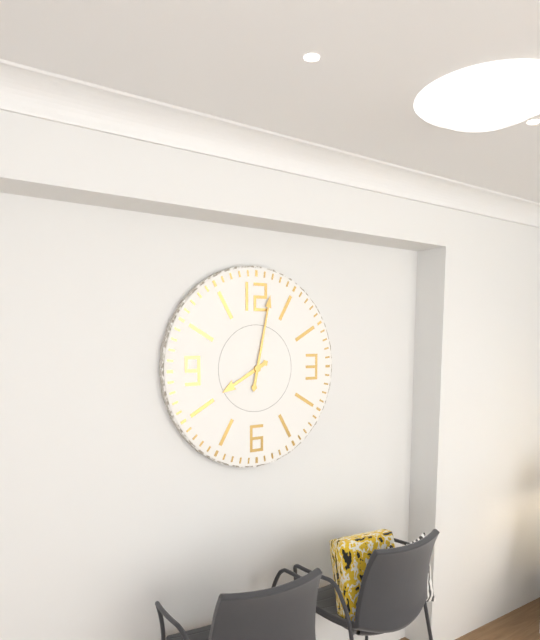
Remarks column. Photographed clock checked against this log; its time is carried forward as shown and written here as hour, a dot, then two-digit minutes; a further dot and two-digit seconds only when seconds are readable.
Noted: 8.02
